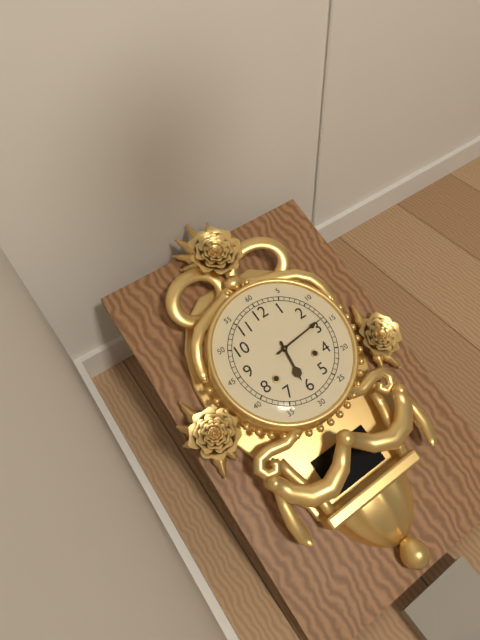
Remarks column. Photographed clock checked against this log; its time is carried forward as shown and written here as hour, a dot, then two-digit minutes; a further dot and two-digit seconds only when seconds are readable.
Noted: 6.14
